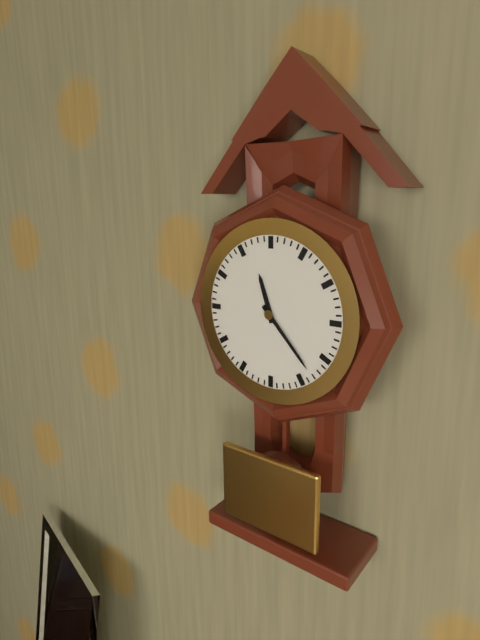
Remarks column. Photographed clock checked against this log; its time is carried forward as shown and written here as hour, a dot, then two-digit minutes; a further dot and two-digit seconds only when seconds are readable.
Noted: 11.23
